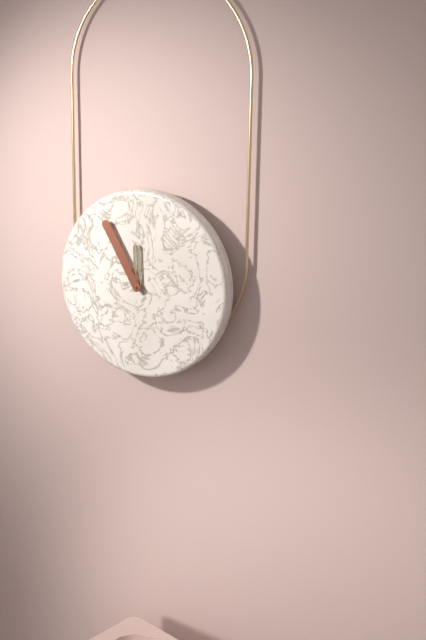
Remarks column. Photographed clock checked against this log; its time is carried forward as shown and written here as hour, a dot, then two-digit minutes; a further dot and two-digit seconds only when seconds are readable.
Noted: 11.55
